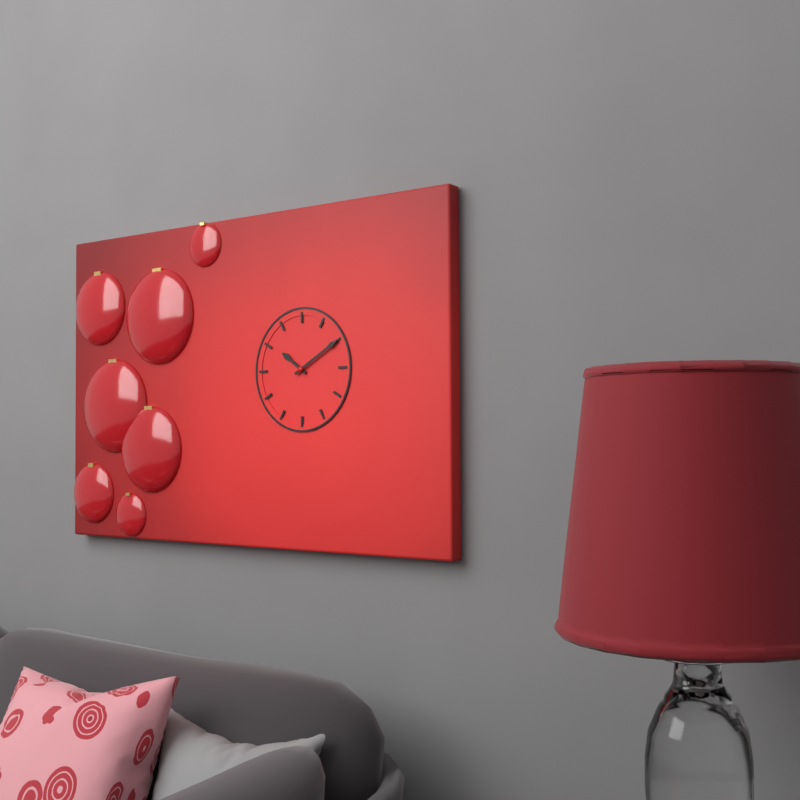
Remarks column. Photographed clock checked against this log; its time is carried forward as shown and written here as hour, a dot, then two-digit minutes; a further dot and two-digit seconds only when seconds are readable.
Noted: 10.10
